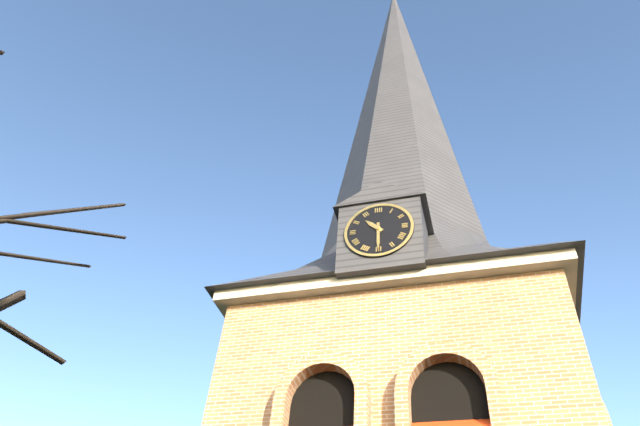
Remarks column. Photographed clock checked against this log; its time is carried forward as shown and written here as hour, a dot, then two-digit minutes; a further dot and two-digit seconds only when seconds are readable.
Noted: 10.30
